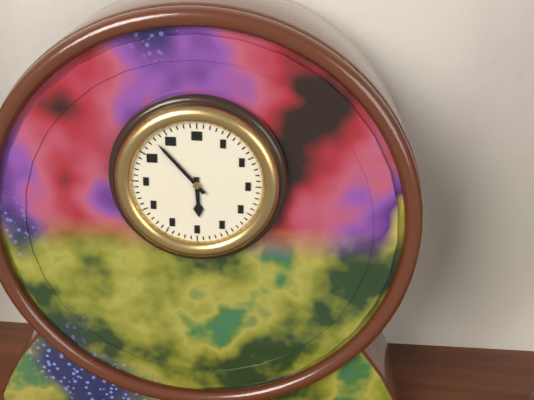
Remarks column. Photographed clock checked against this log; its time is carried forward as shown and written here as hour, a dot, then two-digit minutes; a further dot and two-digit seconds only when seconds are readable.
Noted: 5.53
